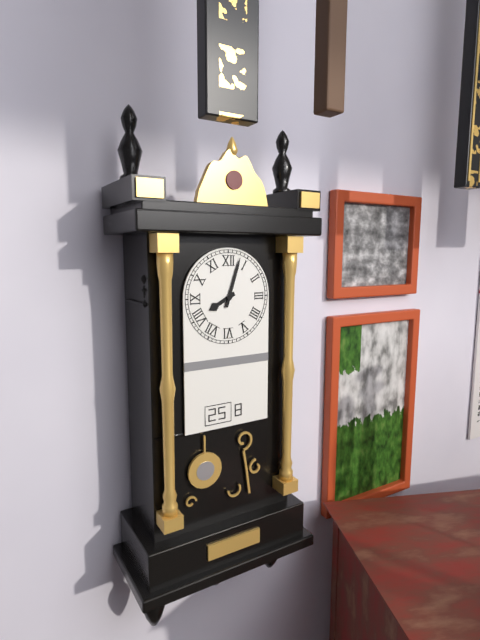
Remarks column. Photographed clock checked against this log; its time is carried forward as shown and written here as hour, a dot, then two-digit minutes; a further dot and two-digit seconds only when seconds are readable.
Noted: 8.03
